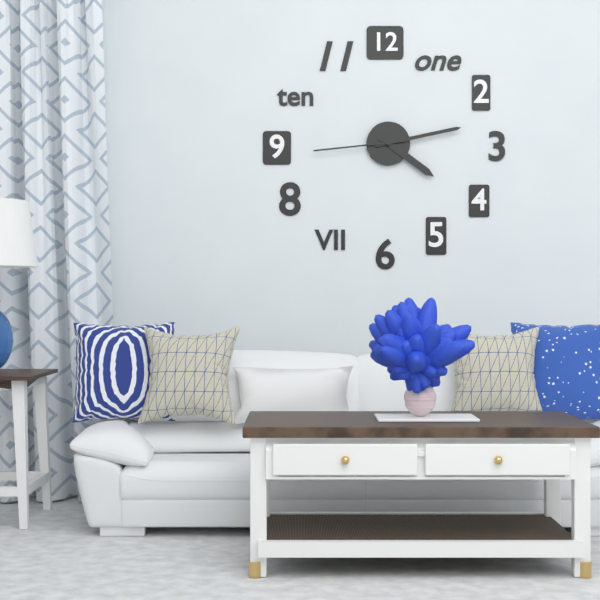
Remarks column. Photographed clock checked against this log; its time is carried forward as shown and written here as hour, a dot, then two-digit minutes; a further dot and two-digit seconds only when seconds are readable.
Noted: 4.13.44
